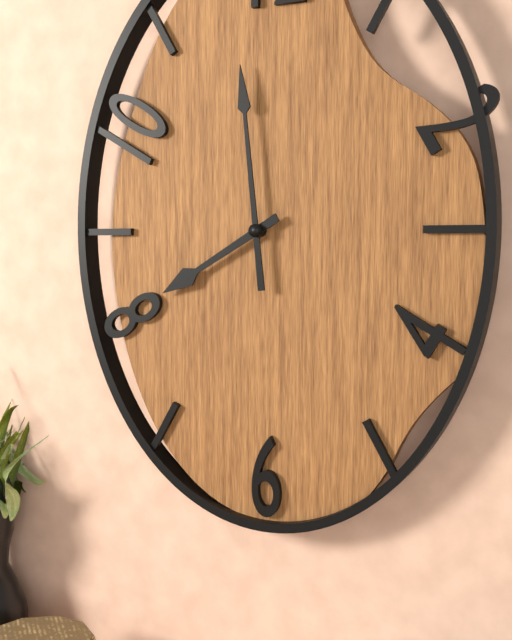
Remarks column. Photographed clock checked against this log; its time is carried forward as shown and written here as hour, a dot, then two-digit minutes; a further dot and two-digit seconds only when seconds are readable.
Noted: 7.59
